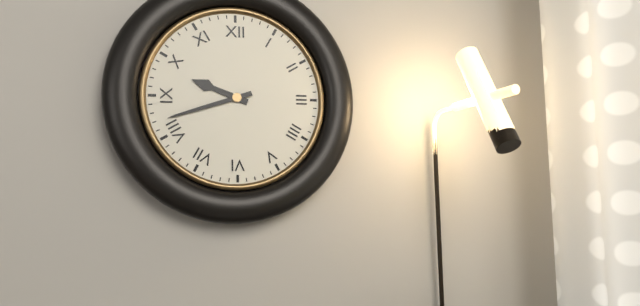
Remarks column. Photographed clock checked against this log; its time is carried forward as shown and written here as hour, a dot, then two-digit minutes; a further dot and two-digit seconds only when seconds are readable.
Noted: 9.42
